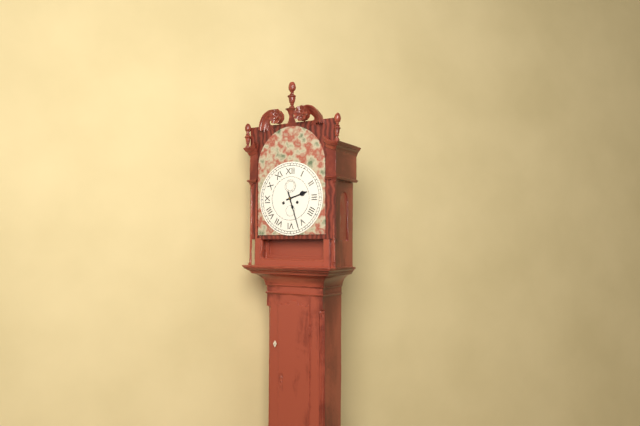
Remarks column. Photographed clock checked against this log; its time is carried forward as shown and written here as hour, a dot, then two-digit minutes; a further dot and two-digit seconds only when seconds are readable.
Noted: 2.27
